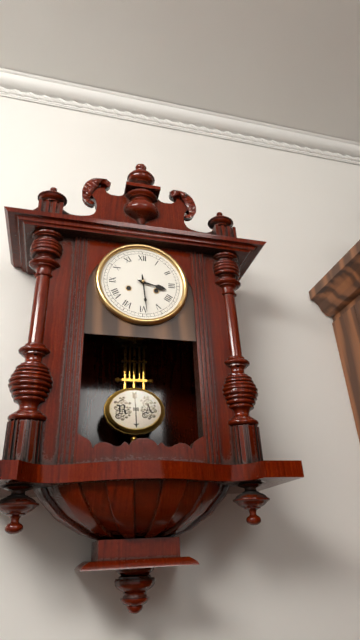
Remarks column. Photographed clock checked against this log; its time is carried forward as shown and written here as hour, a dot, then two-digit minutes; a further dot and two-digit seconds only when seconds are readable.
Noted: 3.29
